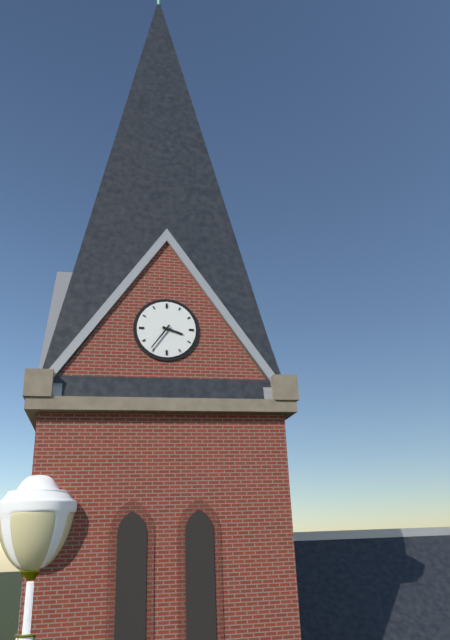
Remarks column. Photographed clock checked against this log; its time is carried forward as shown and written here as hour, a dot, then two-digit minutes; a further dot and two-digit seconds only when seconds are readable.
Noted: 3.36
